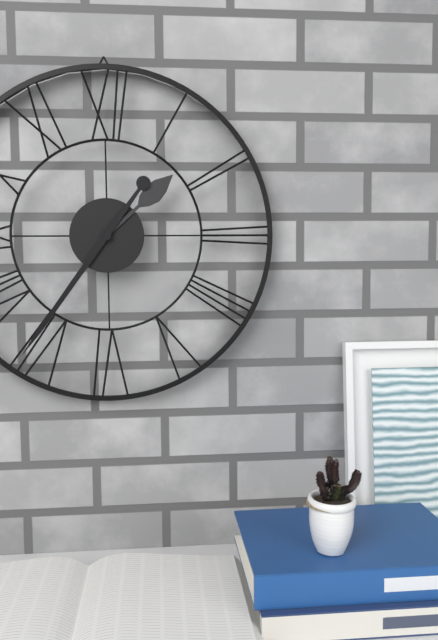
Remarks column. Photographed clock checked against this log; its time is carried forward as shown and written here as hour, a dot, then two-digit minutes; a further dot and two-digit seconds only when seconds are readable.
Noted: 1.36
